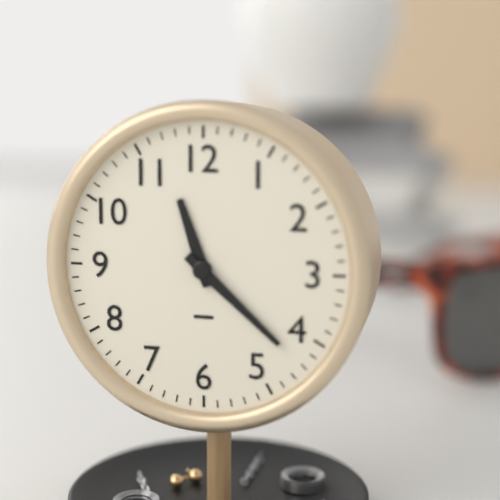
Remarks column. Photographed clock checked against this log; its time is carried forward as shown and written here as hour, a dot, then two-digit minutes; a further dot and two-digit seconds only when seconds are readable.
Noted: 11.22
